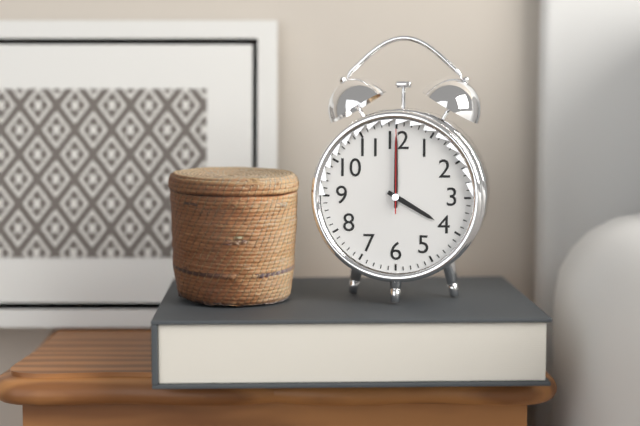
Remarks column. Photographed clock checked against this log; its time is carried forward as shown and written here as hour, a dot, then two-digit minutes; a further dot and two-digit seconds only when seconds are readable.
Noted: 4.00.00
